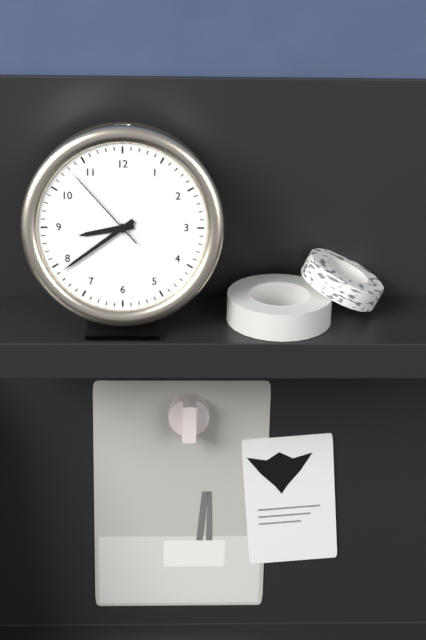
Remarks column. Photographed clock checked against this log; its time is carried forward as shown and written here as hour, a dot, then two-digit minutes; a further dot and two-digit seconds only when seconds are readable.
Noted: 8.39.53
